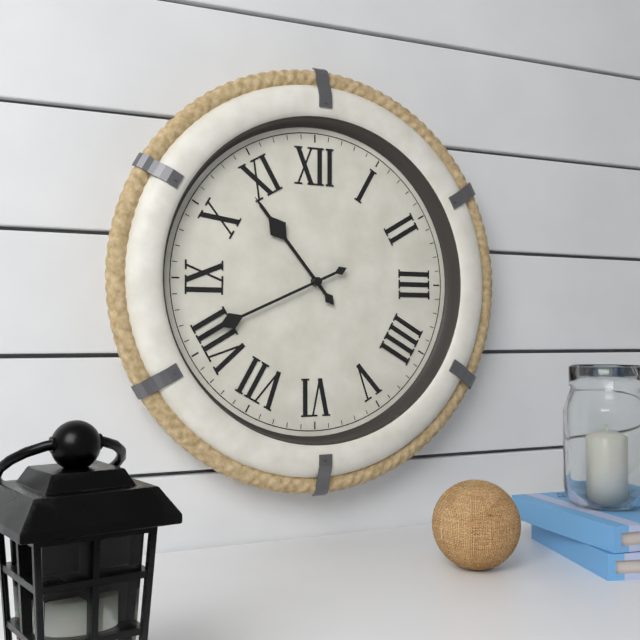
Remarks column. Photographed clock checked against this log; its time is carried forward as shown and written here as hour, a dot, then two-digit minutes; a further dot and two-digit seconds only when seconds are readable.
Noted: 10.41
